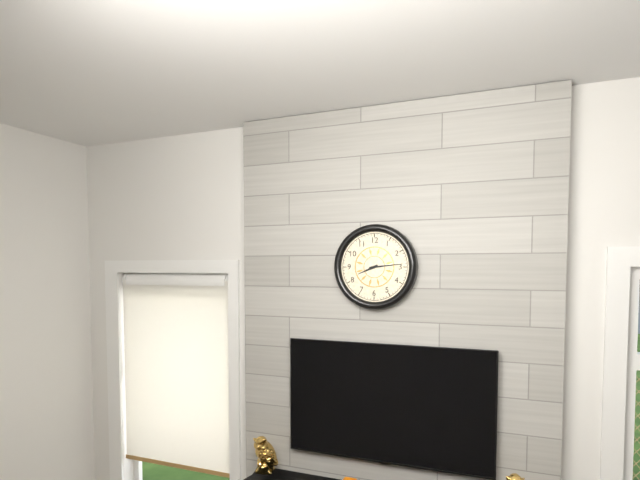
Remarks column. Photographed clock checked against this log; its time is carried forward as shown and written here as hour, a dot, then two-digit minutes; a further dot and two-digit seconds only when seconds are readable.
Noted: 8.14
